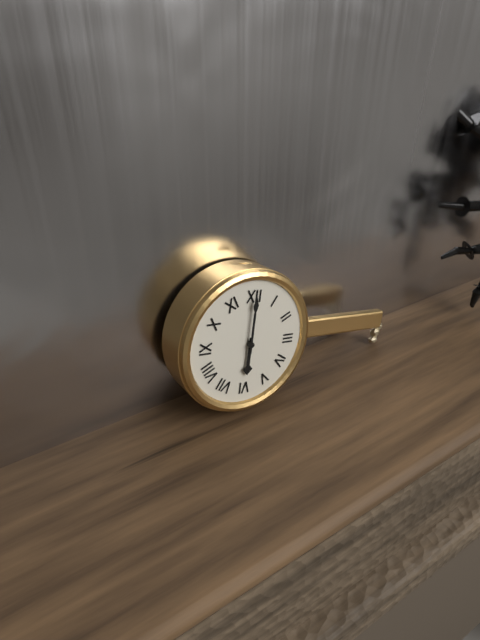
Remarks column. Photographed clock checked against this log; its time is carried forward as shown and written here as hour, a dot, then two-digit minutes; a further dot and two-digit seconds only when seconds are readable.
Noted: 6.00
